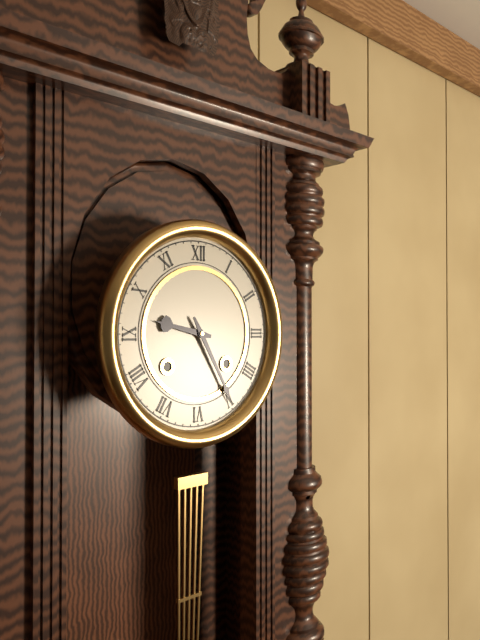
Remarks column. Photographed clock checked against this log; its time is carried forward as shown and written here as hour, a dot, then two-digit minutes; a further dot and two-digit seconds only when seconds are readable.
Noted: 9.25
